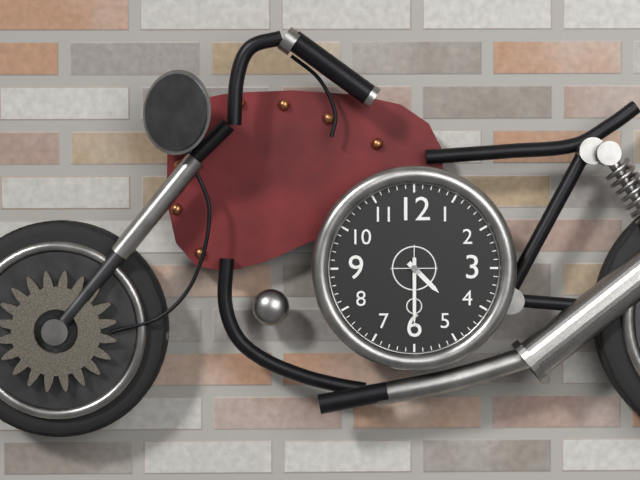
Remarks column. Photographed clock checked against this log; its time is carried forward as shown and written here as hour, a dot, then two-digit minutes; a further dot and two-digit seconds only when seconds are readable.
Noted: 4.30
